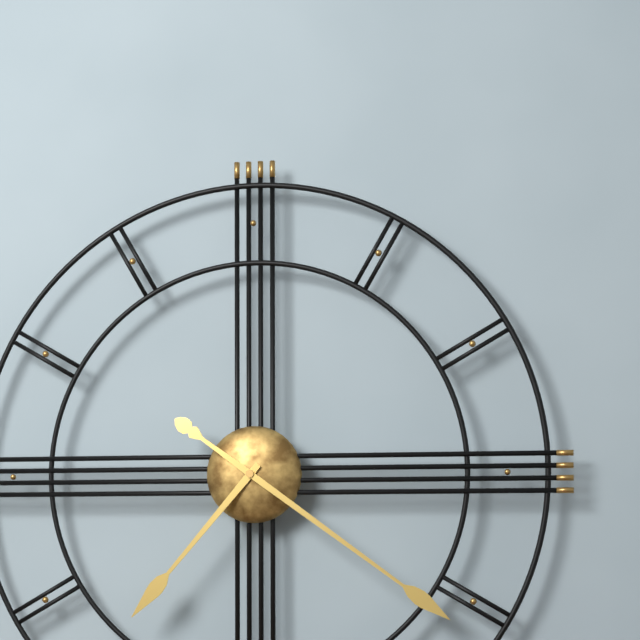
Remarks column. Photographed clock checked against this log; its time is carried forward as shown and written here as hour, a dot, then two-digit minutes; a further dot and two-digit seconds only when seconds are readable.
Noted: 7.21
